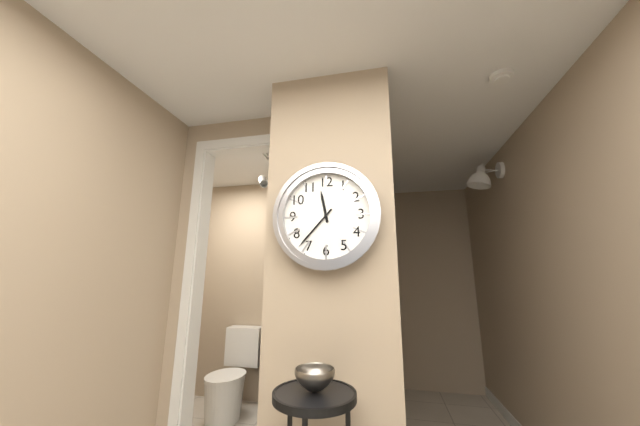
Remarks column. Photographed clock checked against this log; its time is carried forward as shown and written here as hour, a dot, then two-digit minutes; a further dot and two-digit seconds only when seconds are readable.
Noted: 11.37
